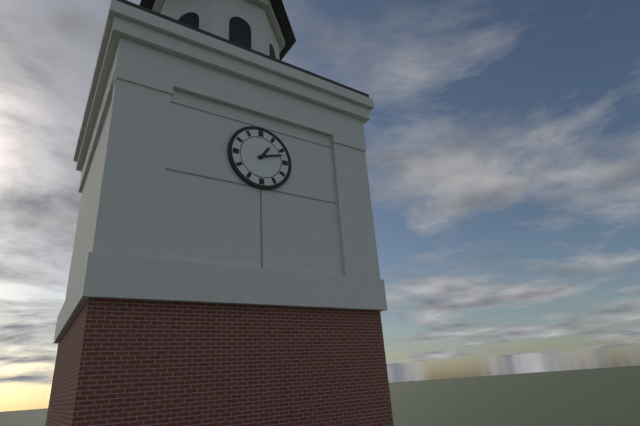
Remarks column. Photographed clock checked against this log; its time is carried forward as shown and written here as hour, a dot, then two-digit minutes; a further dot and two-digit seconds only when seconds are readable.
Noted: 1.12
